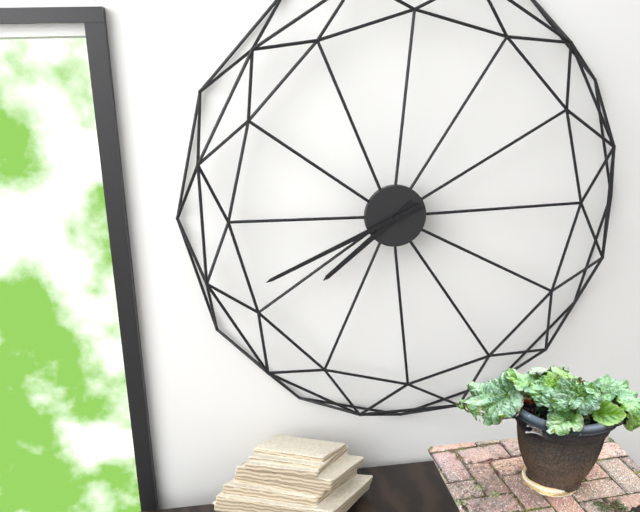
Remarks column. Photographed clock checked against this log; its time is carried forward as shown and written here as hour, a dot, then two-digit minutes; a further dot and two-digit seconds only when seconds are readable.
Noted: 7.41
